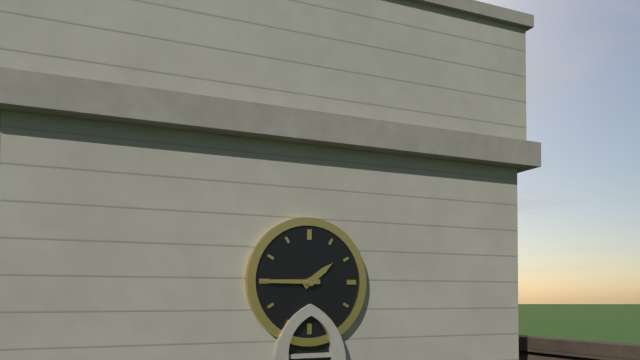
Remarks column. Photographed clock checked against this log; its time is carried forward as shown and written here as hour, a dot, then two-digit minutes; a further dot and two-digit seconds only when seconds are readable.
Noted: 1.45
